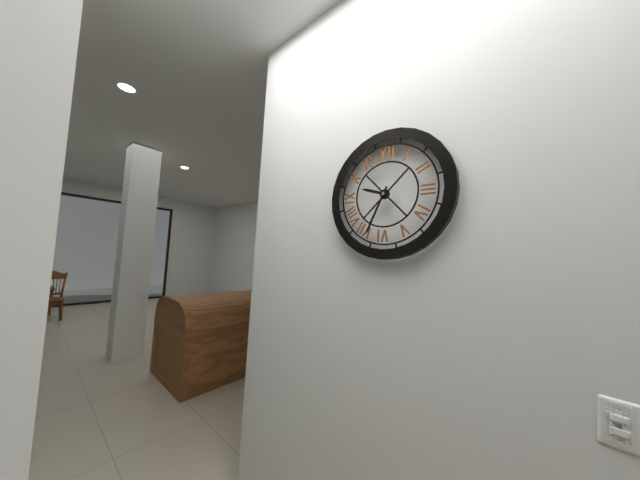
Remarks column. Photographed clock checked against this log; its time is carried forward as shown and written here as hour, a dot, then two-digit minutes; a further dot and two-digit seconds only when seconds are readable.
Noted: 9.34
